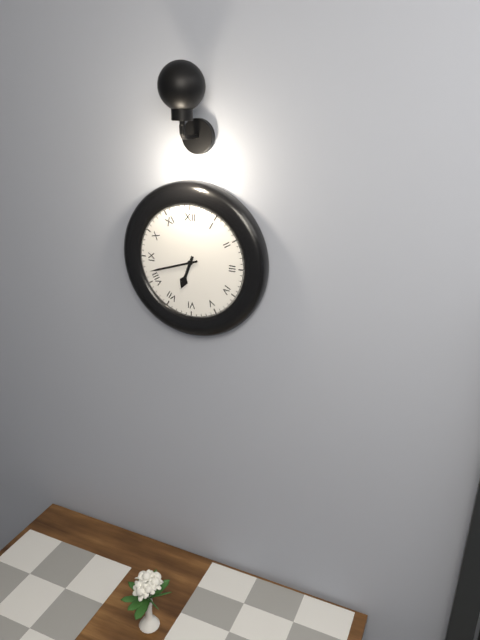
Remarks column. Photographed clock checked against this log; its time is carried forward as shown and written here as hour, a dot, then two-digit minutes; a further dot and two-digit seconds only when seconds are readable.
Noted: 6.42
